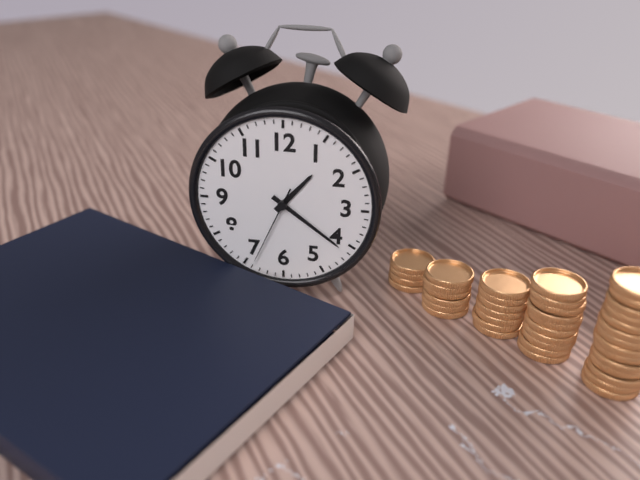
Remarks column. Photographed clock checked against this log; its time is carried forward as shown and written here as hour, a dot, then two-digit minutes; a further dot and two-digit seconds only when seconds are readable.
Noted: 1.21.34
